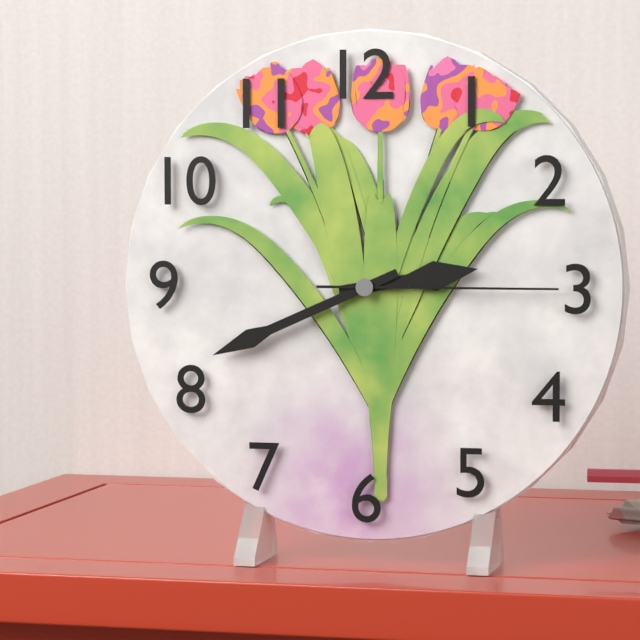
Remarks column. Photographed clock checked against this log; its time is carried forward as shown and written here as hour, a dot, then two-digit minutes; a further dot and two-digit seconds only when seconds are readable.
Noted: 2.41.15
